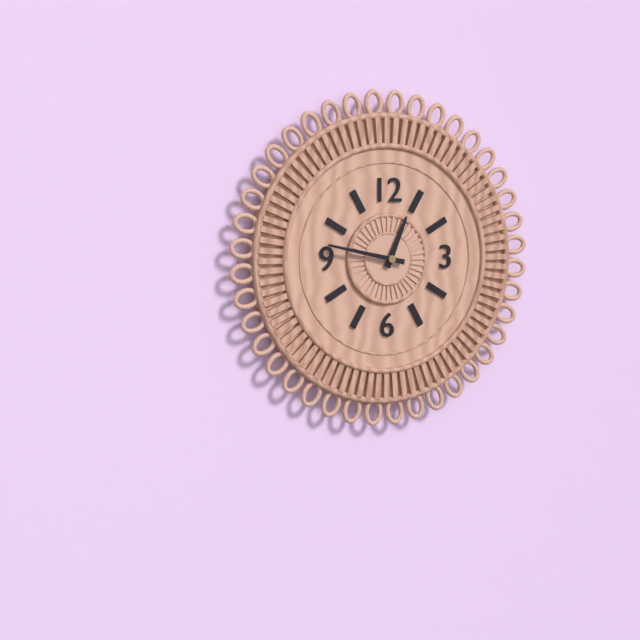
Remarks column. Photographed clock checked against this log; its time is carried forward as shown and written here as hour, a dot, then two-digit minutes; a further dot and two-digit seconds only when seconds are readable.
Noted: 12.47
